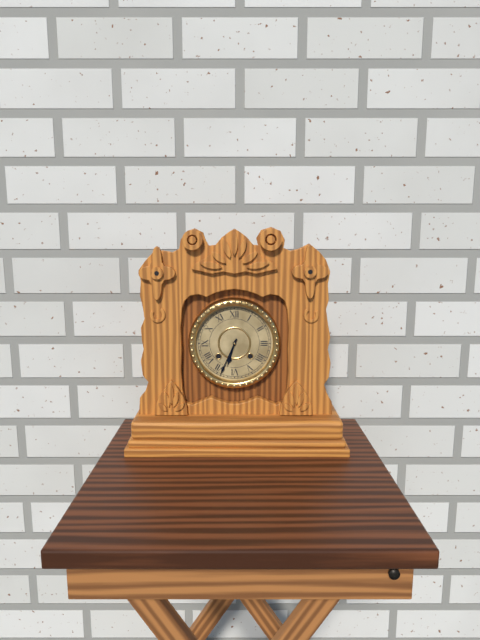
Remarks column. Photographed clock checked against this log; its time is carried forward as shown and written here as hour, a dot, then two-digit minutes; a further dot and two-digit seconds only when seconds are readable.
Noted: 6.34
